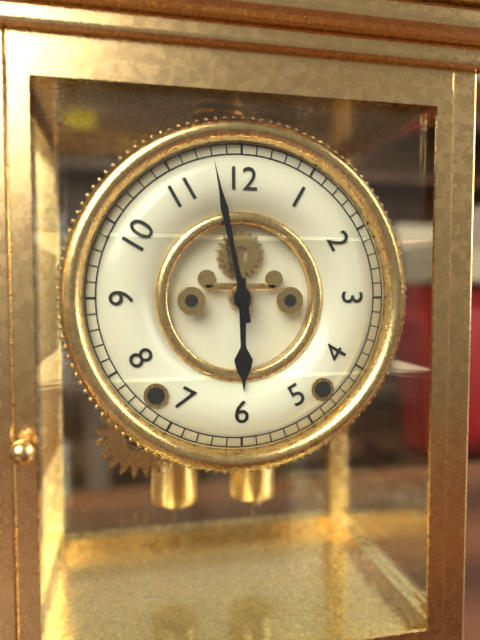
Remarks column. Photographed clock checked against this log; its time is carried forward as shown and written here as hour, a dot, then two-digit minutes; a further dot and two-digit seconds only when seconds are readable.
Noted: 5.58
